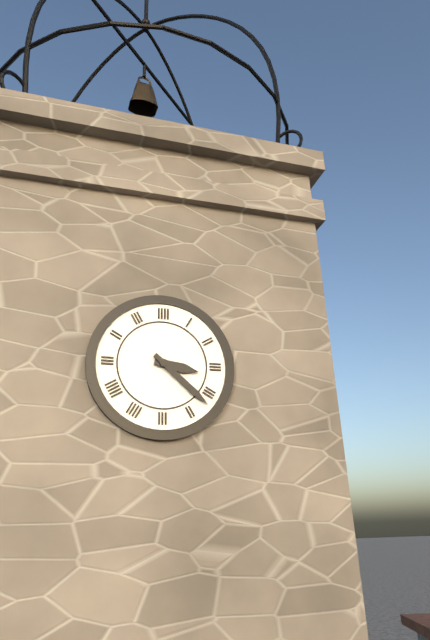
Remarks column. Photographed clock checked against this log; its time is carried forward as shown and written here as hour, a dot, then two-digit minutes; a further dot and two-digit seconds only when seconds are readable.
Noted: 3.22
